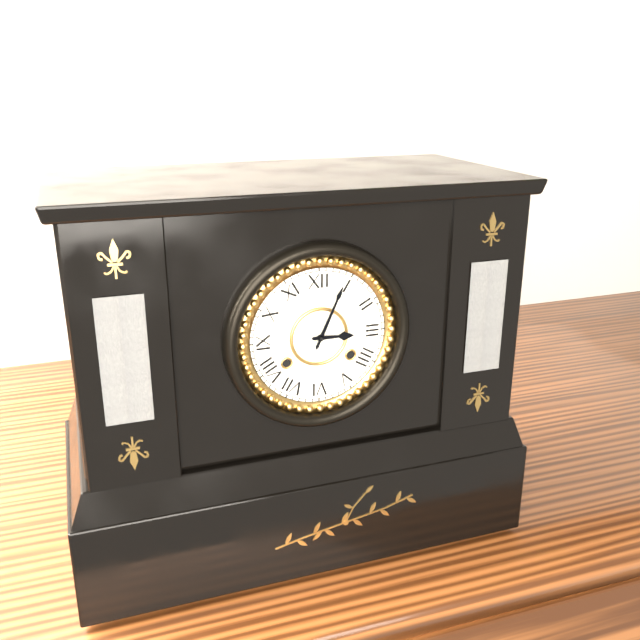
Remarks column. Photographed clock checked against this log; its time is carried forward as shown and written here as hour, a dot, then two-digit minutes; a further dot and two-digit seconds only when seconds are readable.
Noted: 3.04
